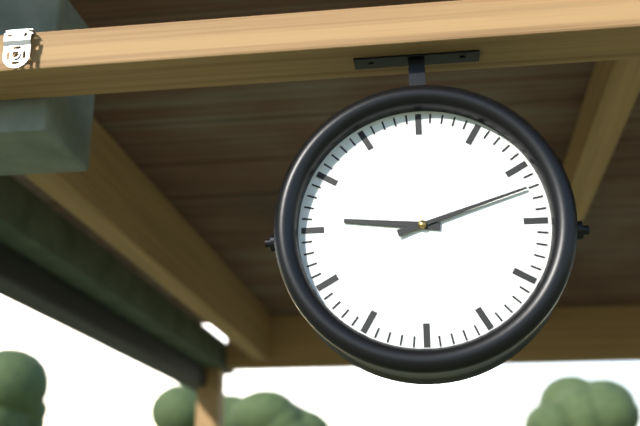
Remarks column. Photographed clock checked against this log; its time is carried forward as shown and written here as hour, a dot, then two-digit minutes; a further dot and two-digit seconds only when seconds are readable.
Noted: 9.12
